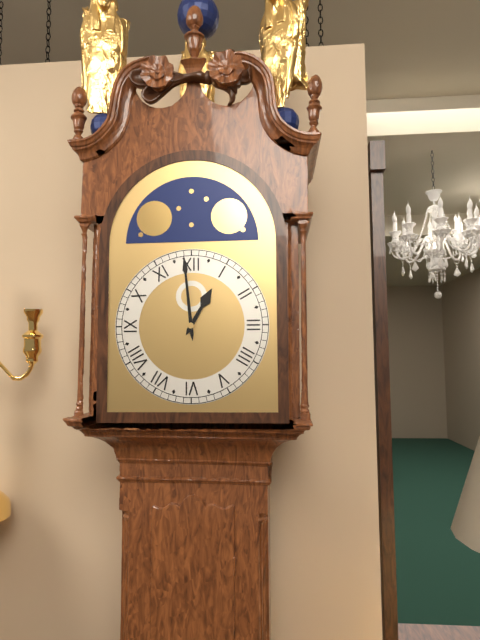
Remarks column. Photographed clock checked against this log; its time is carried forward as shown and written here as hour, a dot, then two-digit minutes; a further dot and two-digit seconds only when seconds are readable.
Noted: 12.59
